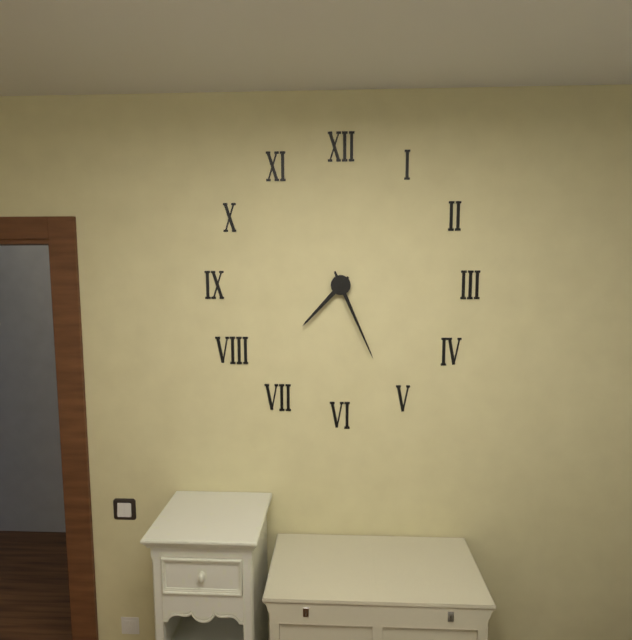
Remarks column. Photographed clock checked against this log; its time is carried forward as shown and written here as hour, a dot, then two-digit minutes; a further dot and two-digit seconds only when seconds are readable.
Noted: 7.26
